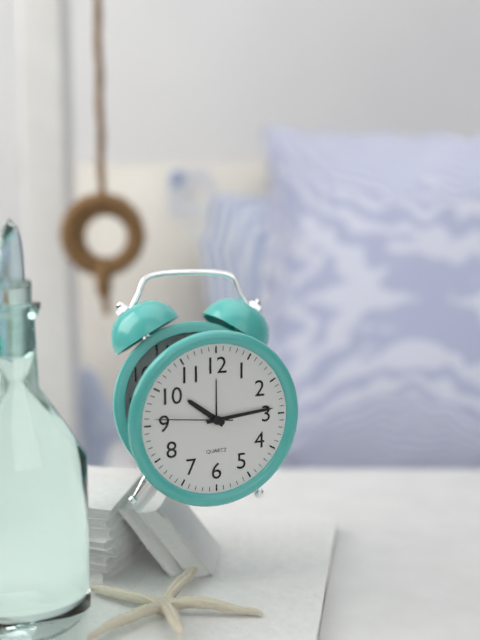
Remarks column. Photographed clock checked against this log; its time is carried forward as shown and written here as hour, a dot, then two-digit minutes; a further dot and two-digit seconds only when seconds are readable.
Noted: 10.14.46
